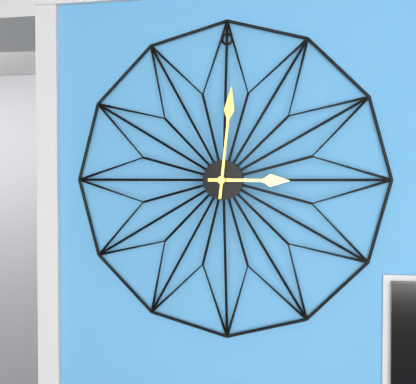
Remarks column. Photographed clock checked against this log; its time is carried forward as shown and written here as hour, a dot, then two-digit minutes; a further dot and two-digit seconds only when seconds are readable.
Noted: 3.01
